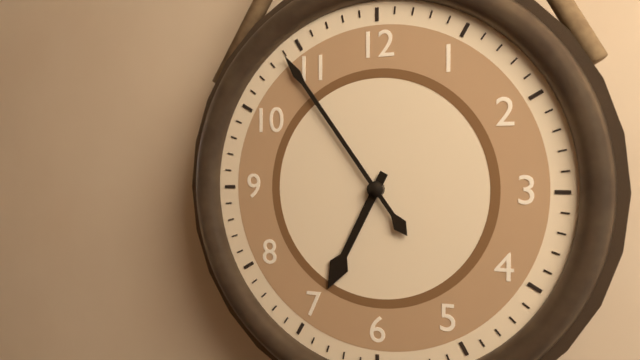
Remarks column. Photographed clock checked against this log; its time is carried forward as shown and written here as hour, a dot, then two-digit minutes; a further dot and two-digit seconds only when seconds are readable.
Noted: 6.54
